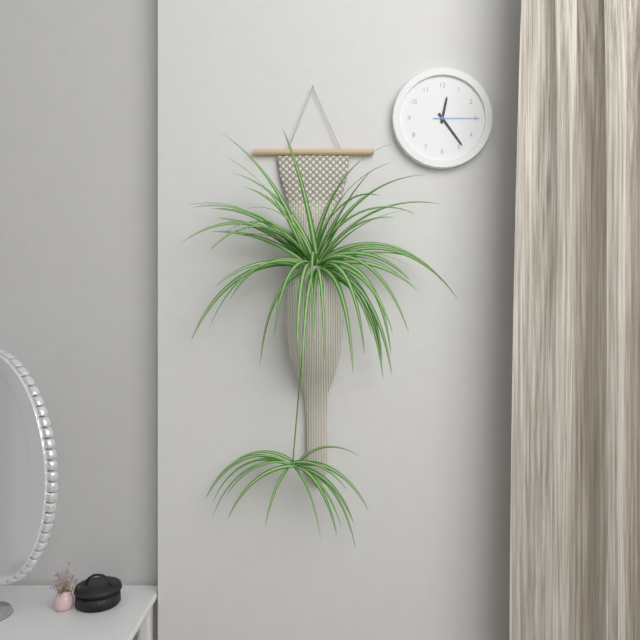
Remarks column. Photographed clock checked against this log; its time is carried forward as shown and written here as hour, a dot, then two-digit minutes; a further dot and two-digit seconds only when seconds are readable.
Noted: 12.24
